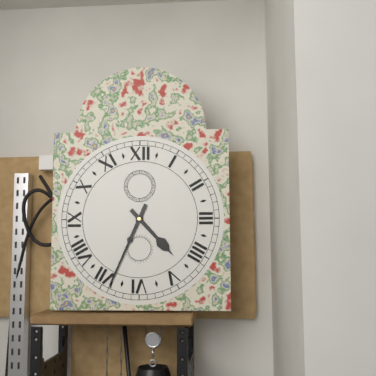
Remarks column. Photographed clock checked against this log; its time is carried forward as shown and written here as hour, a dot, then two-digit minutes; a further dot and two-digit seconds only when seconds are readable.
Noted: 4.34
